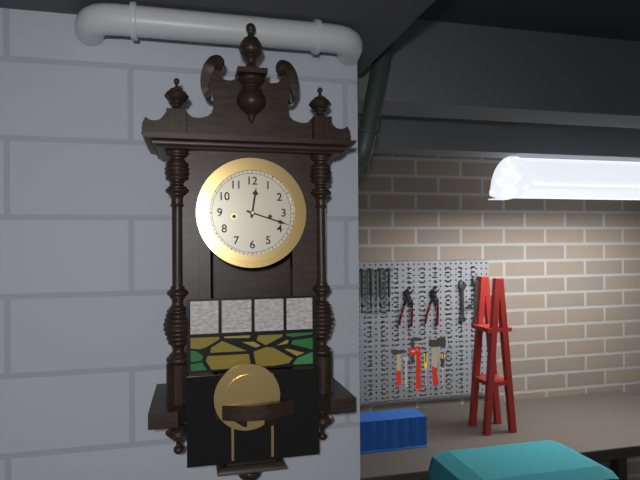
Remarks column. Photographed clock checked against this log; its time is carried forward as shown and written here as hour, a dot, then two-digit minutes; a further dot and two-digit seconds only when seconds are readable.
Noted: 12.18
